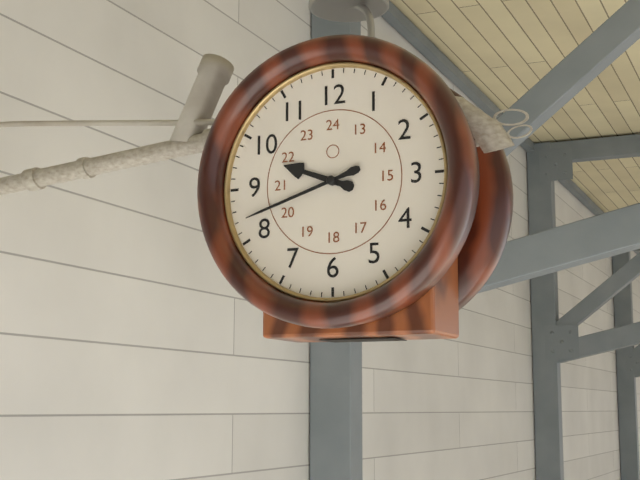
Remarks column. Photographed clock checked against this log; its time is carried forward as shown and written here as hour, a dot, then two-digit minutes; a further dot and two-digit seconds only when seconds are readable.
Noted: 9.42
